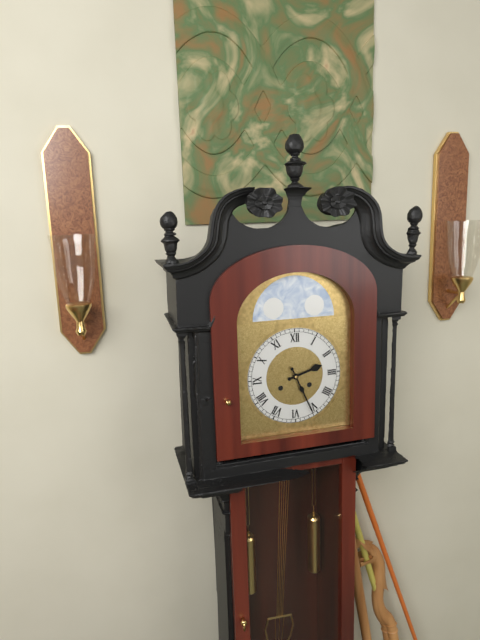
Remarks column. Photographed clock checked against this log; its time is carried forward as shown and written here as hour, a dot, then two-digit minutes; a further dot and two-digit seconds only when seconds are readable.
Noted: 2.26
